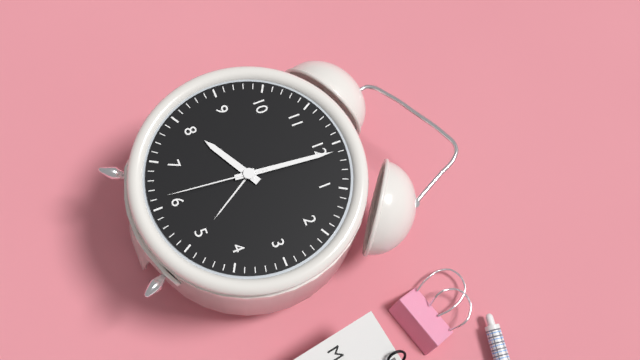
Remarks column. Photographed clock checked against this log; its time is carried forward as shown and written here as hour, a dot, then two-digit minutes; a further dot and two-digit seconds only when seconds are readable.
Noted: 8.01.31
